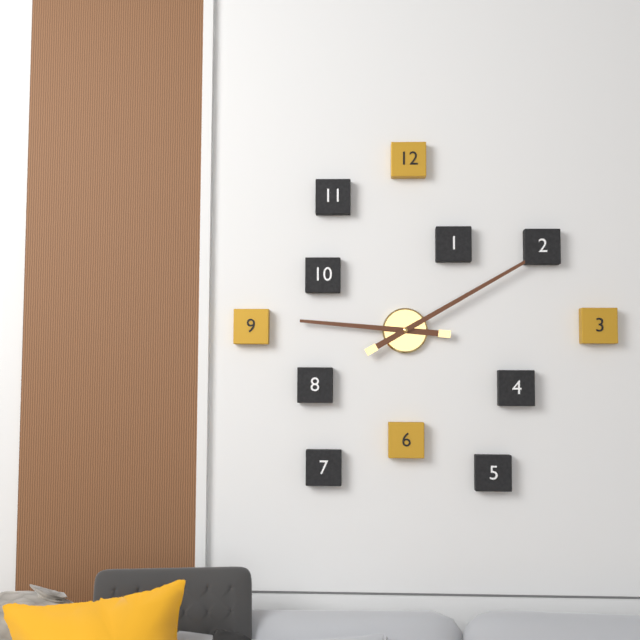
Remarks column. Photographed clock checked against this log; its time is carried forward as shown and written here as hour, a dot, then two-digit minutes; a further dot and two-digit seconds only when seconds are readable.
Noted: 9.10
